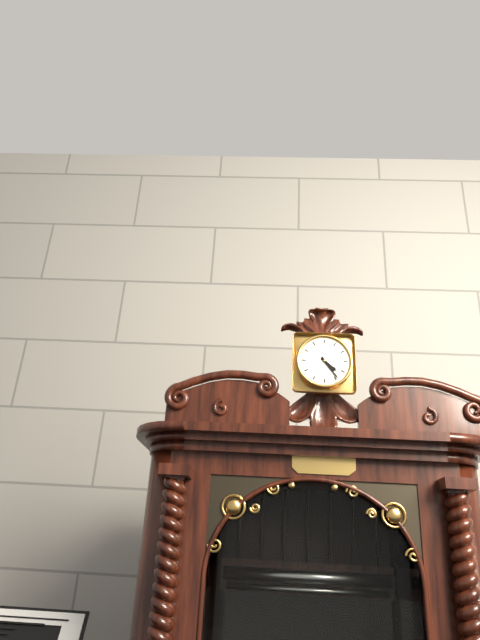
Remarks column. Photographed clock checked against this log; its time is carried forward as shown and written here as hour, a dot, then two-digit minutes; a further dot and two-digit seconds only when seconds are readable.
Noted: 4.24
